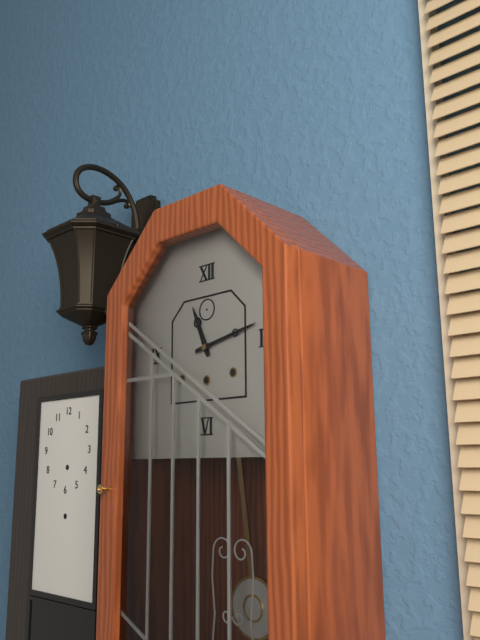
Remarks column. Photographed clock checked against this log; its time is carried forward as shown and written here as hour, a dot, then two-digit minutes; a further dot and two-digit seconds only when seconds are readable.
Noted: 11.13
